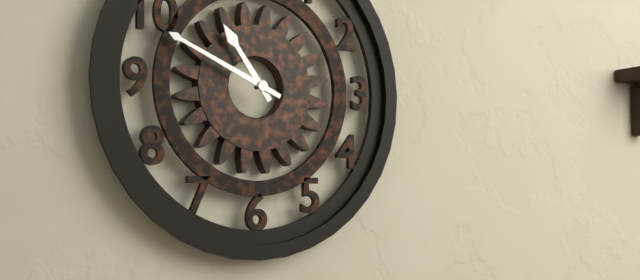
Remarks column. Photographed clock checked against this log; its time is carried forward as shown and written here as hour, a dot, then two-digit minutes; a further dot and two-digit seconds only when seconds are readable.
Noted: 10.49
